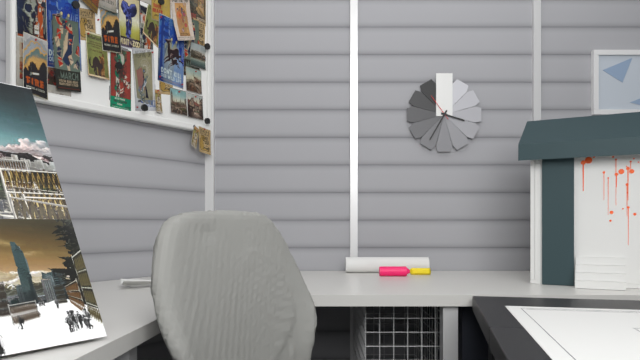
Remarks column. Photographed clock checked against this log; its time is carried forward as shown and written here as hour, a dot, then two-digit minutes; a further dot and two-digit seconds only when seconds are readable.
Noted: 3.35
